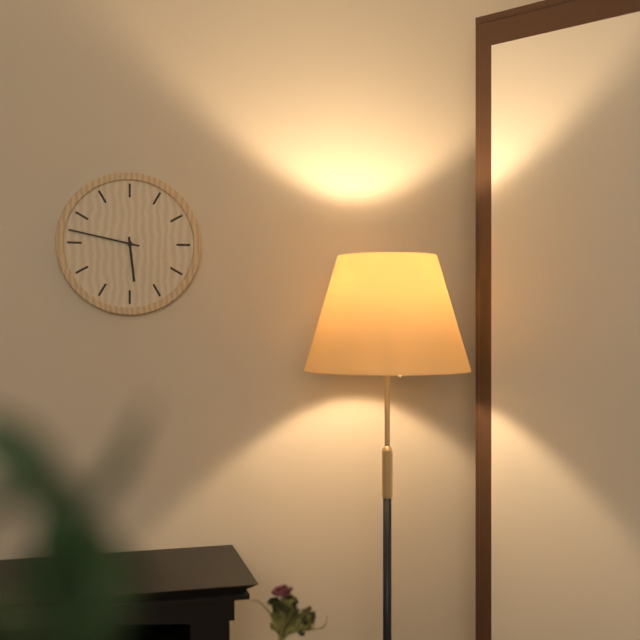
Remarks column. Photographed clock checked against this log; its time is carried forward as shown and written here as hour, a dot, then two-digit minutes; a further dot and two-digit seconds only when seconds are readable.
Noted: 5.47
